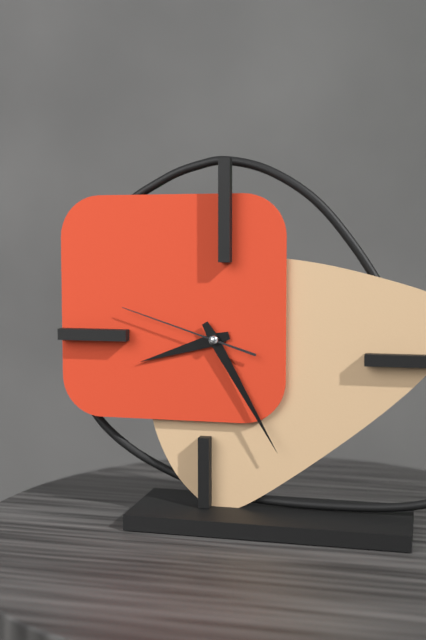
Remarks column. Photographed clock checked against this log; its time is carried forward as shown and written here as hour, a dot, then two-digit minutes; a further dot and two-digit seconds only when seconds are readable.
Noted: 8.25.48
